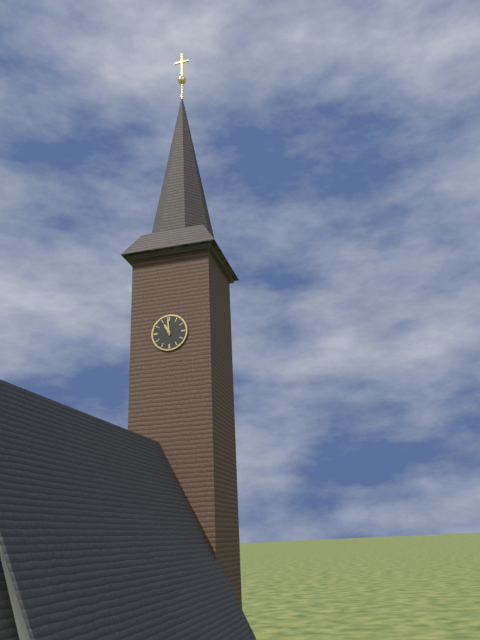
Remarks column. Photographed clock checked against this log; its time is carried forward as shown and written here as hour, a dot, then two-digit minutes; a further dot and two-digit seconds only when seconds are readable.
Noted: 10.59
